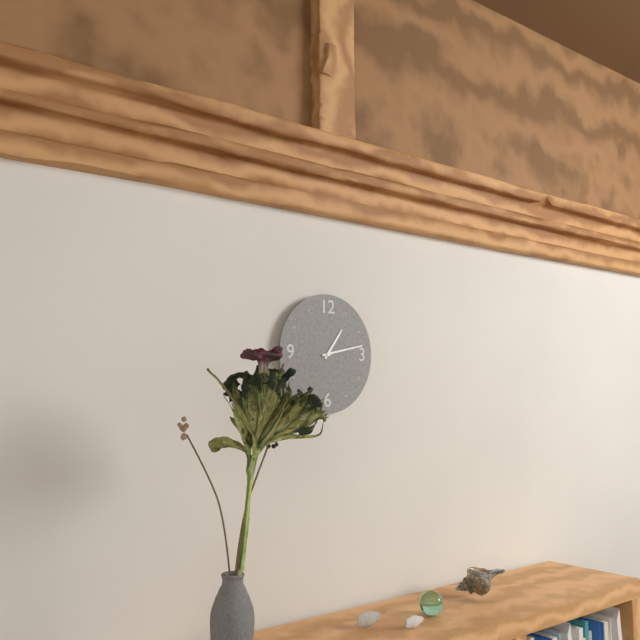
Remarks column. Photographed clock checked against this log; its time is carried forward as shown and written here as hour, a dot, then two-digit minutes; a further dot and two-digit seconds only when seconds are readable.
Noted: 1.13
